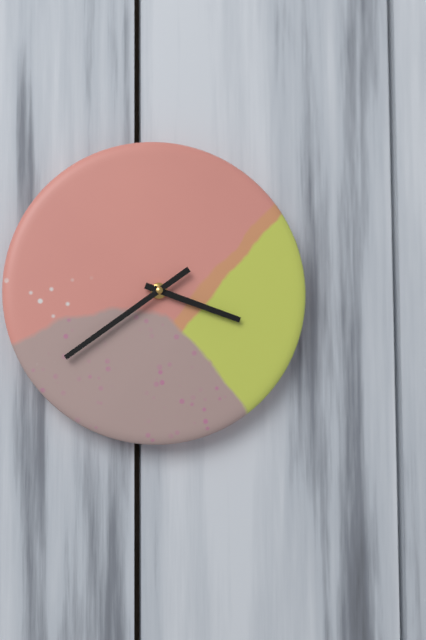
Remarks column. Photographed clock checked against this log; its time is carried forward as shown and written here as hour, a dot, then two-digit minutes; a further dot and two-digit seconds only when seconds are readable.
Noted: 3.39
